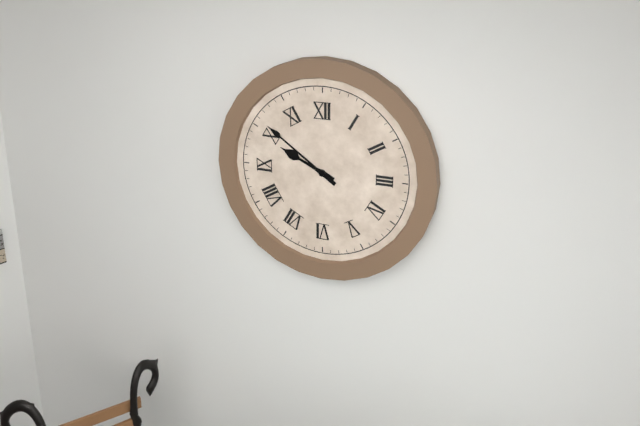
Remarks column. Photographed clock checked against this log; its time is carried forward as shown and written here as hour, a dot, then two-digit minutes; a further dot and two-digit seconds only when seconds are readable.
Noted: 9.51
